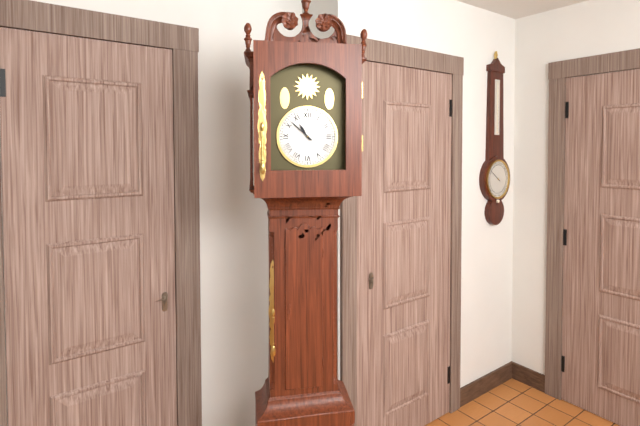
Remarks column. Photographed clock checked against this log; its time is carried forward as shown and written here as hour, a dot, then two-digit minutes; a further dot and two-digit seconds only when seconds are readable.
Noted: 10.52
